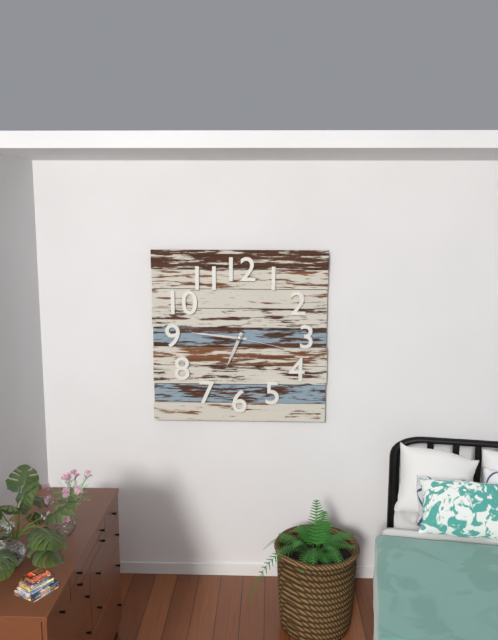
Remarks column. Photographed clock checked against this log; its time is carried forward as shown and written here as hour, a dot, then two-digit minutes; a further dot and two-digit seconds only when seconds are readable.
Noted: 6.46.17
